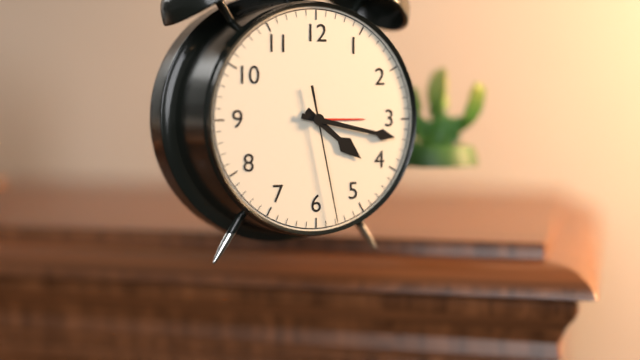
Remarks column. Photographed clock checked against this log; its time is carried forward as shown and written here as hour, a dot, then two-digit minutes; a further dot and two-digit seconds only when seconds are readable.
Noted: 4.17.28
